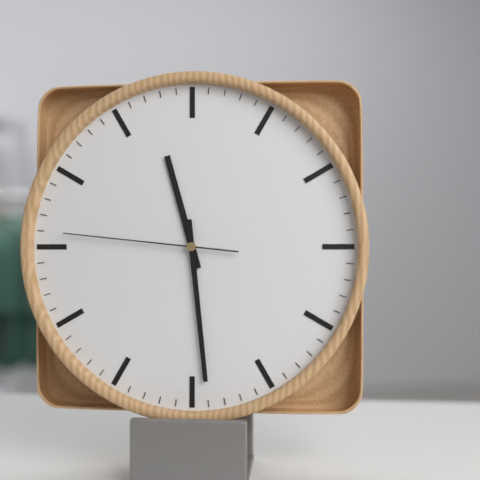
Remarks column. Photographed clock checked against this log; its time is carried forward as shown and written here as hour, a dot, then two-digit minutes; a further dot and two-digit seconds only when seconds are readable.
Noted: 11.29.46
